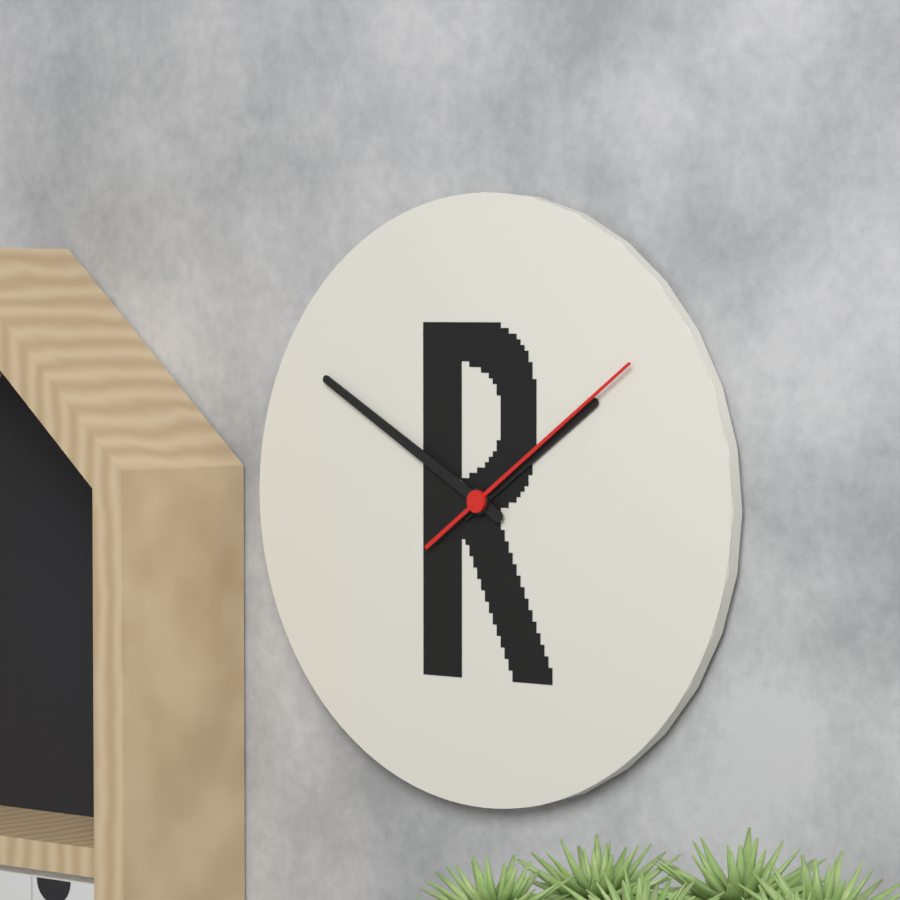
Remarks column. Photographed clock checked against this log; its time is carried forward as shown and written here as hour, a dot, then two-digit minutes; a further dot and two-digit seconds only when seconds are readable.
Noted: 1.50.09
